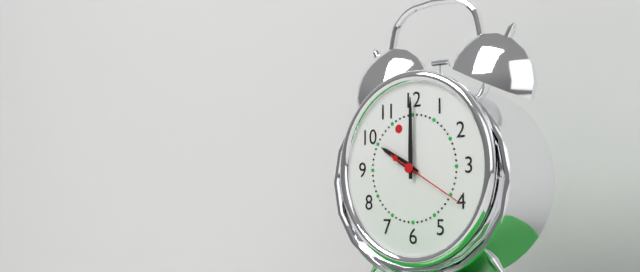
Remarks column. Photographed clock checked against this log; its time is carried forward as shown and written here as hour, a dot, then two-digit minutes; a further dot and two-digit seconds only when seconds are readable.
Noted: 10.00.20
